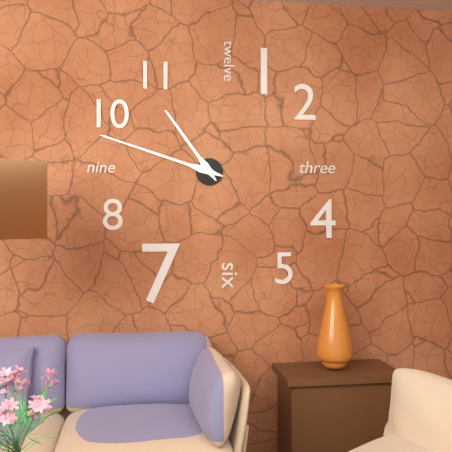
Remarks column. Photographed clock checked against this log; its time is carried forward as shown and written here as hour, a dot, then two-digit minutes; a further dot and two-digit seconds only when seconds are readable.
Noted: 10.48
